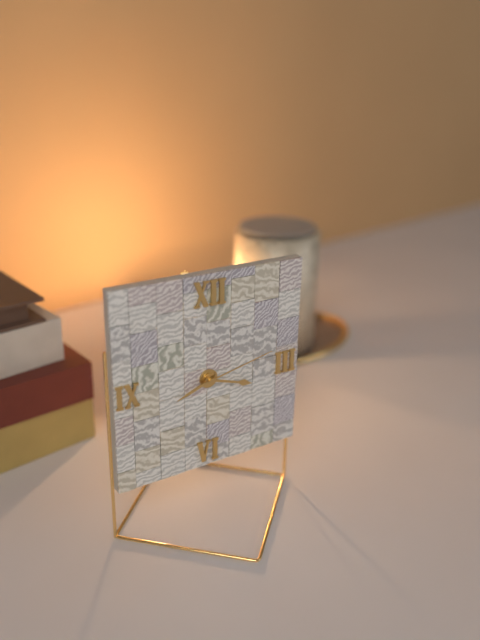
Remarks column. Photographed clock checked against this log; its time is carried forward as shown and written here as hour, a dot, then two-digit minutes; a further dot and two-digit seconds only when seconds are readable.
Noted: 8.18.13
